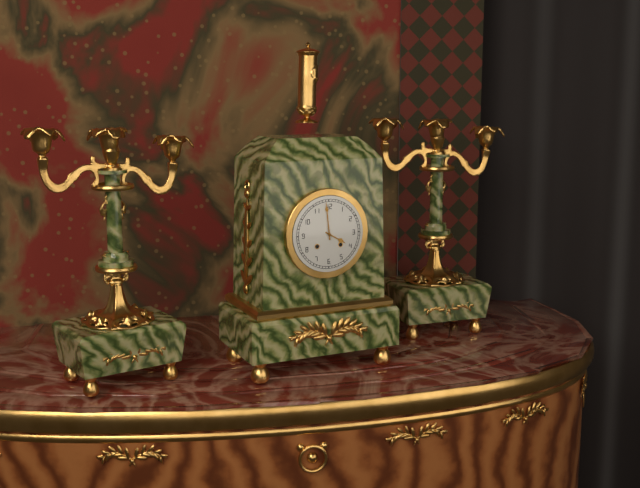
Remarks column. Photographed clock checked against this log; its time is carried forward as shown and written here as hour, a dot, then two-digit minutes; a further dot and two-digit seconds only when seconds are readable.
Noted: 3.59
